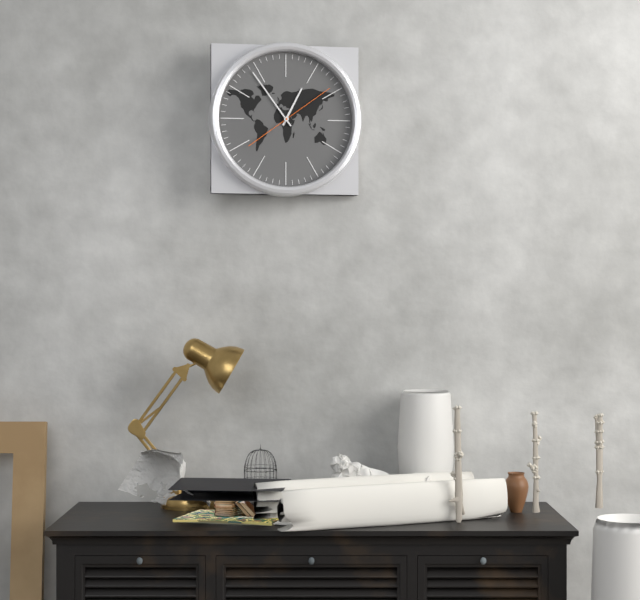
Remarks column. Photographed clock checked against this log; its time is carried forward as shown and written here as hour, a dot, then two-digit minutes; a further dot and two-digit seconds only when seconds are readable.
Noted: 12.54.09
